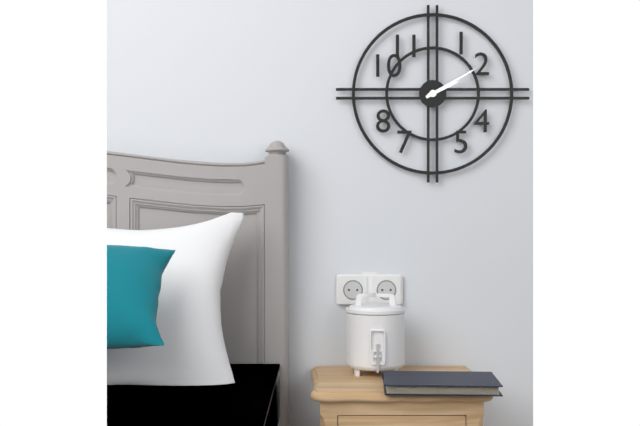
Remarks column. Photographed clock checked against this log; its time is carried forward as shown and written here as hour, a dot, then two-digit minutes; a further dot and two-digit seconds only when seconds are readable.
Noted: 2.10
